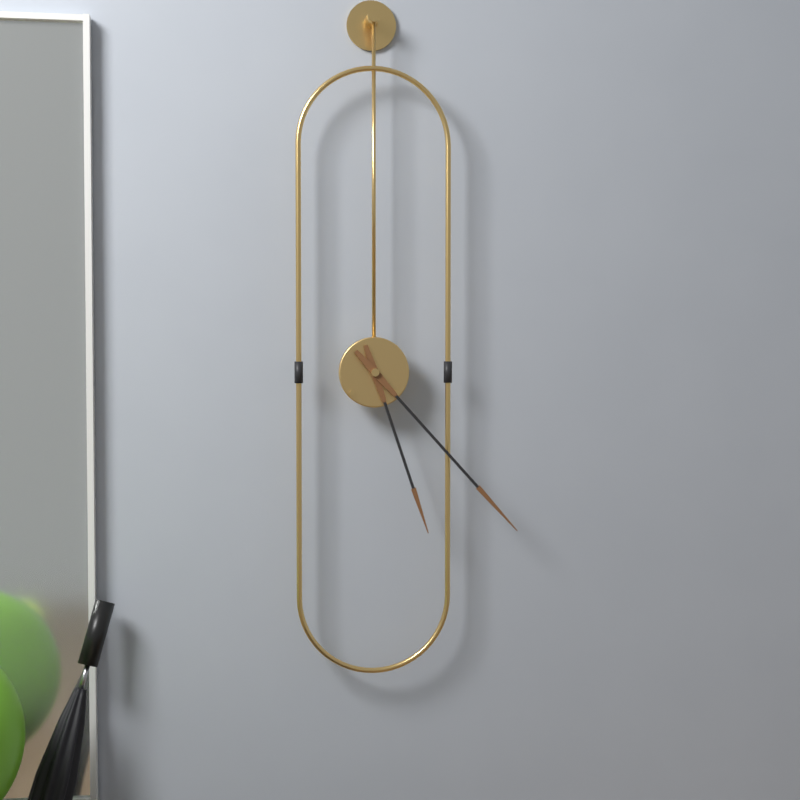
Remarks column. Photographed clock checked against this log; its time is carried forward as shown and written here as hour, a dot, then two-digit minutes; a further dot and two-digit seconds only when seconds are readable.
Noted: 5.23
